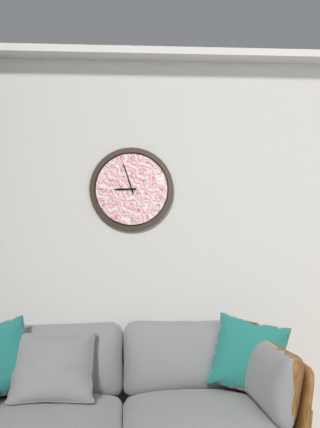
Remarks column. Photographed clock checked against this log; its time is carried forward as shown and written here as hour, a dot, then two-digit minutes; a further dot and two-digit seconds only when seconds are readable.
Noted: 8.57
